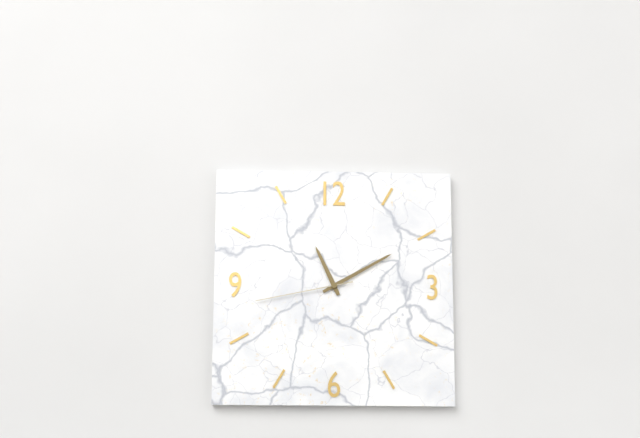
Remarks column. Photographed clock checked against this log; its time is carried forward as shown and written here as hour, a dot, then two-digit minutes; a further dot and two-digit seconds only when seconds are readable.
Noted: 11.10.43
